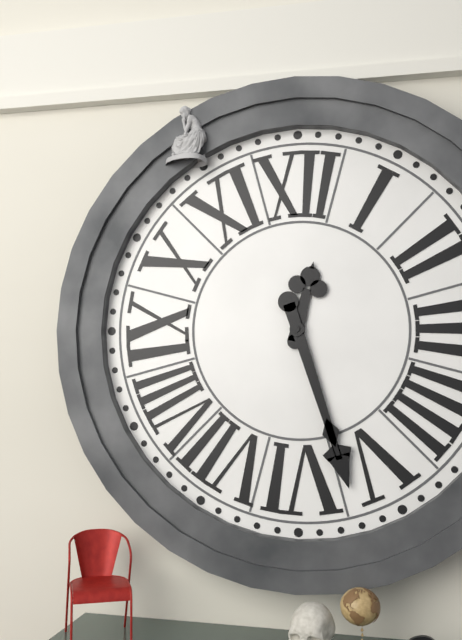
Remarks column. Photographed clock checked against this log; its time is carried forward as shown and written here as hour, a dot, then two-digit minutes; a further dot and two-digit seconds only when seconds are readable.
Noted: 12.27
